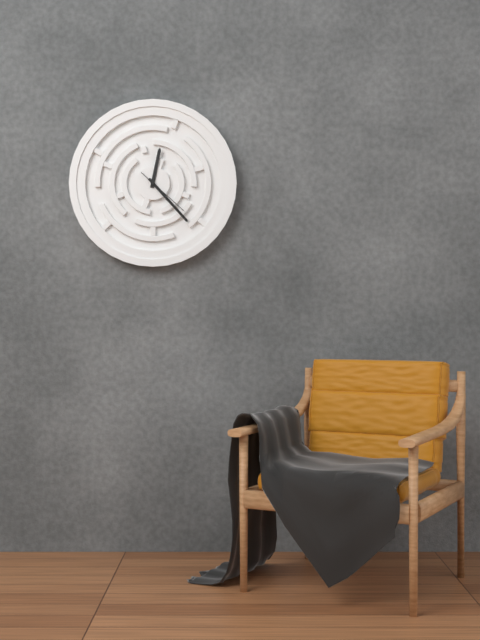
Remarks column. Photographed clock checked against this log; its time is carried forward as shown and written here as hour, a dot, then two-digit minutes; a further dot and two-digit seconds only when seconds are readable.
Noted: 12.23.22
